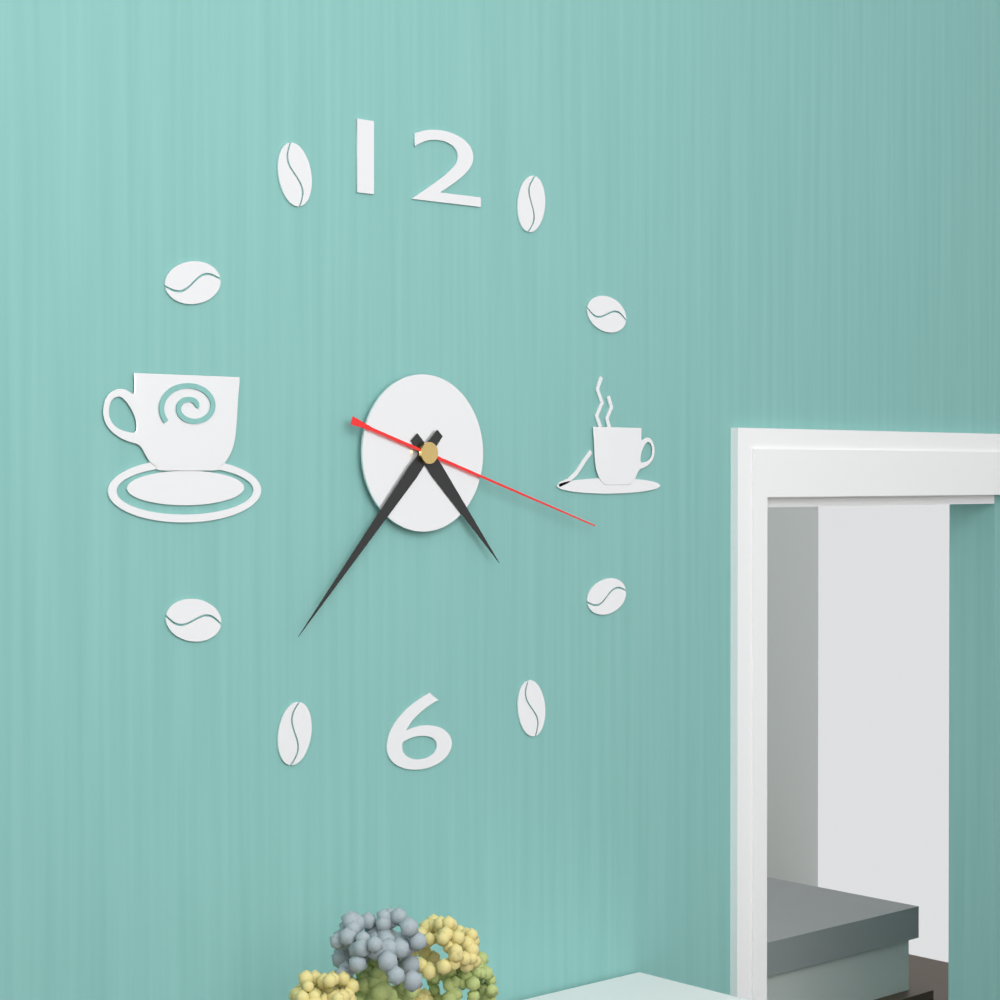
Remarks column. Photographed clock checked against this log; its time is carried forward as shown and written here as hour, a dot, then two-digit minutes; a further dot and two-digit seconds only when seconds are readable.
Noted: 4.37.18
